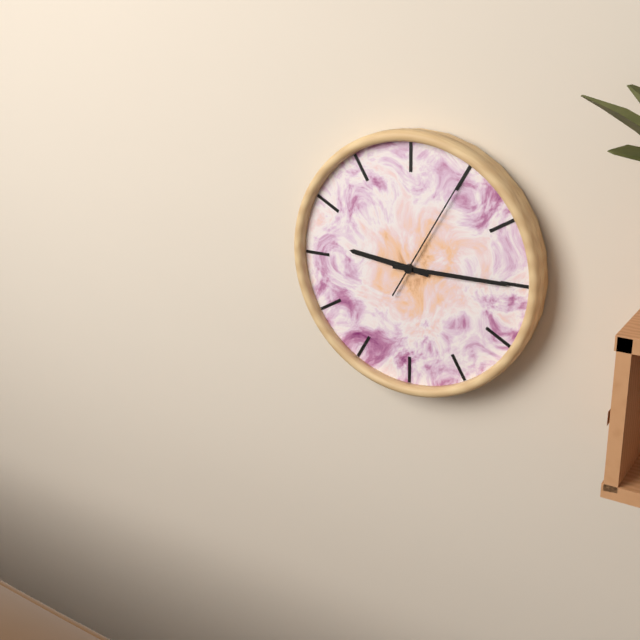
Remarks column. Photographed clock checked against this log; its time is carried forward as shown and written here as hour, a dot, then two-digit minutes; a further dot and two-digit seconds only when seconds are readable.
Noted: 9.15.05
